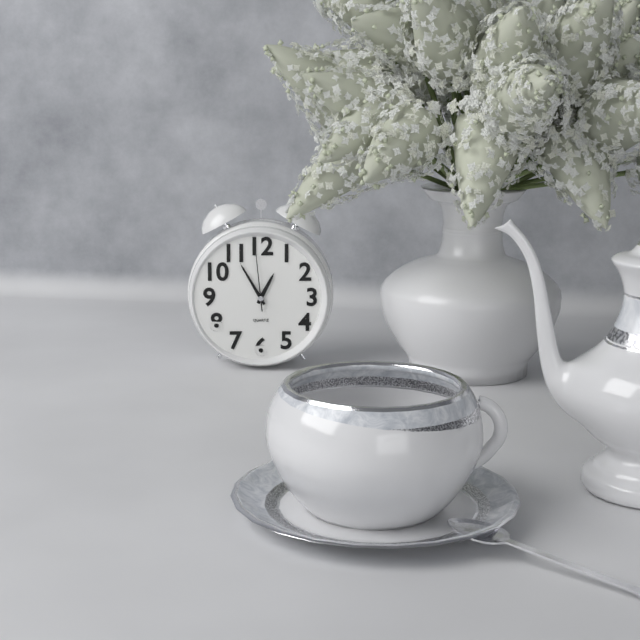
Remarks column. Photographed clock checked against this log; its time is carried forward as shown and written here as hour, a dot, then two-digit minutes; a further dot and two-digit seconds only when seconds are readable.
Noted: 12.55.59
